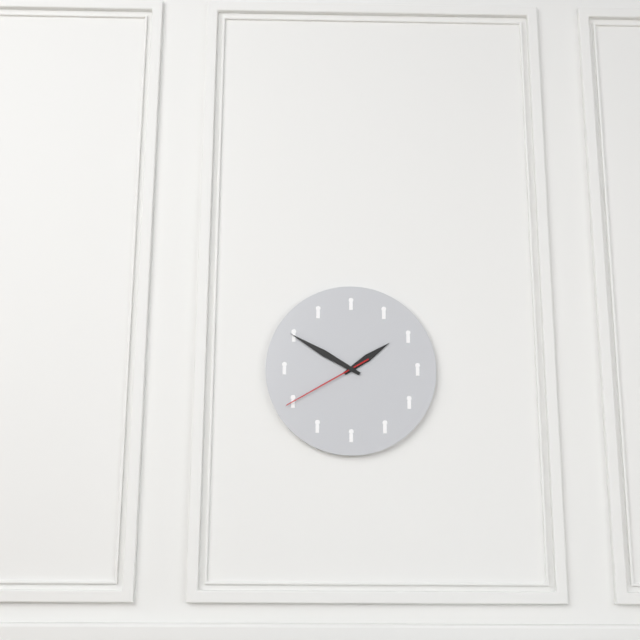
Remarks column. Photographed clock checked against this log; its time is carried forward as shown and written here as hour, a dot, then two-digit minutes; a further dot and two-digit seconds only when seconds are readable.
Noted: 1.50.40
